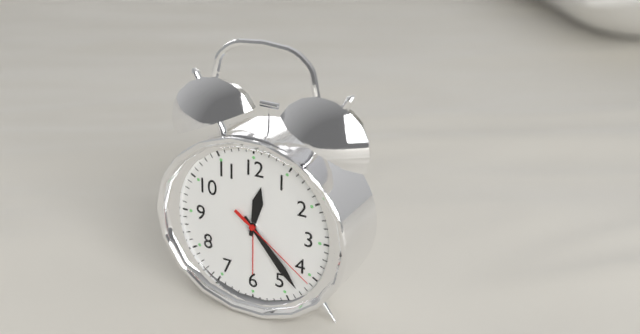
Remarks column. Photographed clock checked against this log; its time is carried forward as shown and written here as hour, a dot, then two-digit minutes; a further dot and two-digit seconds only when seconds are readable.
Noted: 12.23.21
